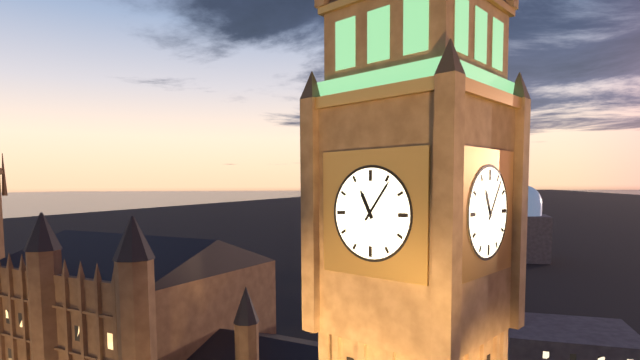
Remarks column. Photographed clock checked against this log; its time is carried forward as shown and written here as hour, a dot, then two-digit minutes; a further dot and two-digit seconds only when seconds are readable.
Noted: 11.06
